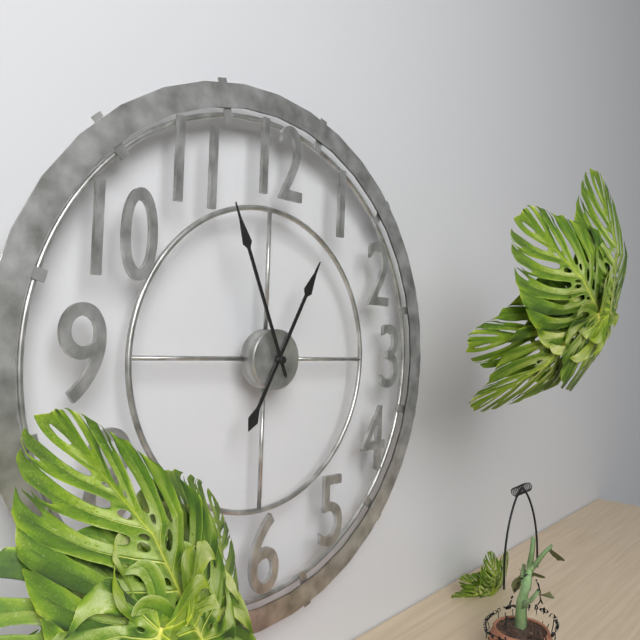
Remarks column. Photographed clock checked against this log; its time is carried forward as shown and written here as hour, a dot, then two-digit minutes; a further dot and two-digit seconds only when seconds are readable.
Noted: 12.56
